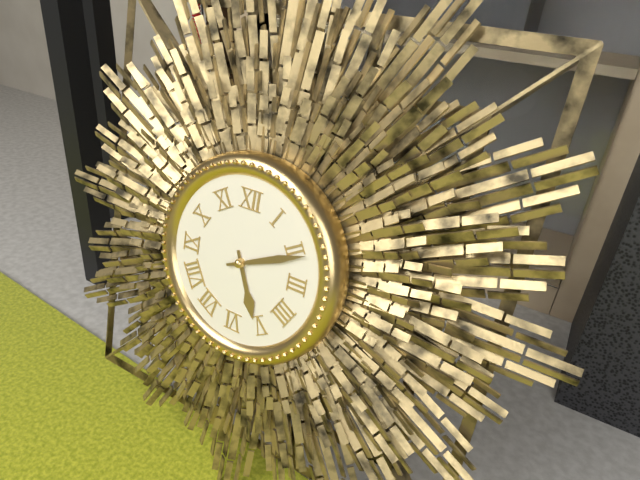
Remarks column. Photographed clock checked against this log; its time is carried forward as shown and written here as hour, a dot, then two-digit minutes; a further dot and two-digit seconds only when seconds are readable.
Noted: 5.11
